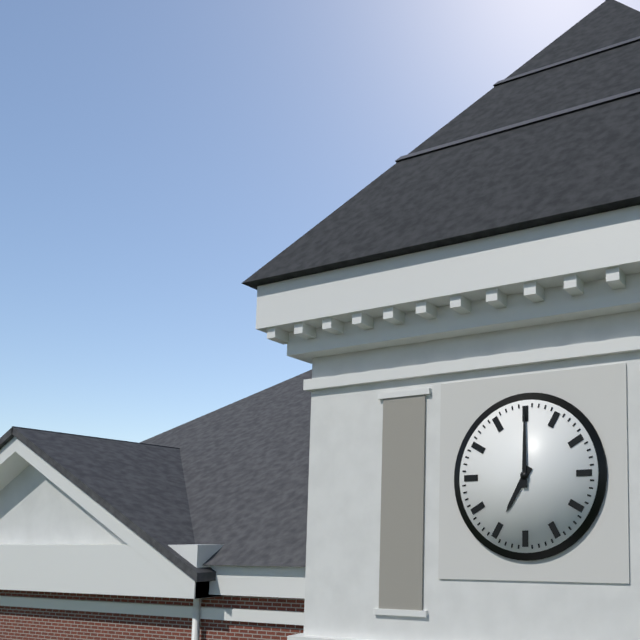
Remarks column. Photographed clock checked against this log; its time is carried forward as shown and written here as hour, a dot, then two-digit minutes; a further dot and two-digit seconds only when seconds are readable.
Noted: 7.00
